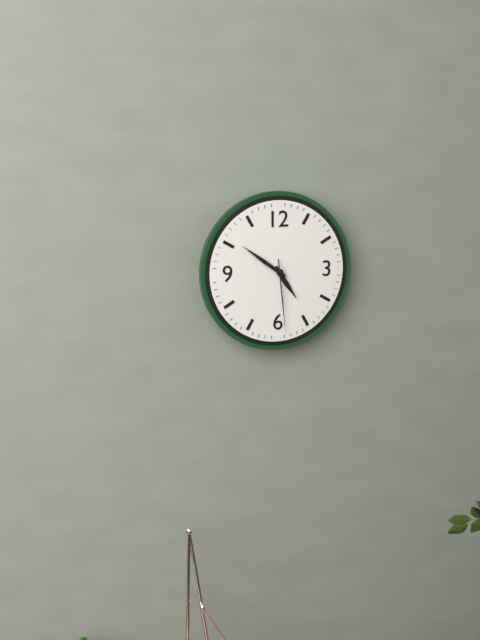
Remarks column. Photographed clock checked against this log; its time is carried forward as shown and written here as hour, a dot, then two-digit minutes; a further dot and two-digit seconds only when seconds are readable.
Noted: 4.51.29
